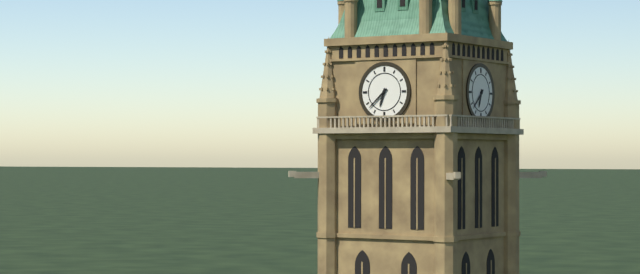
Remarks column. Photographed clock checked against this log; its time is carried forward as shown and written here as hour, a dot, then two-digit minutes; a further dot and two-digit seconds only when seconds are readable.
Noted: 6.38
